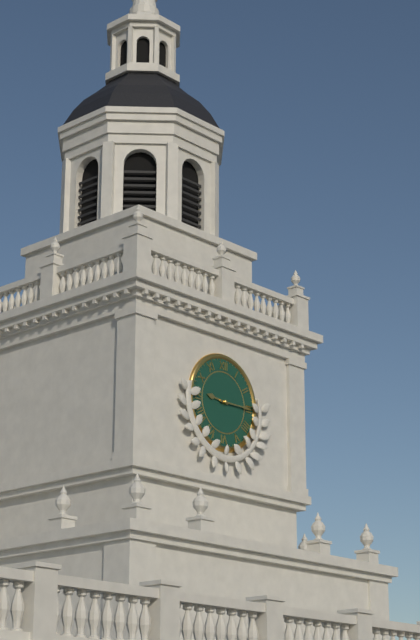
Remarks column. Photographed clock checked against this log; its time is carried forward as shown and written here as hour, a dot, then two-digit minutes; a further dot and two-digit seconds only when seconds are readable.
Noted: 9.15
